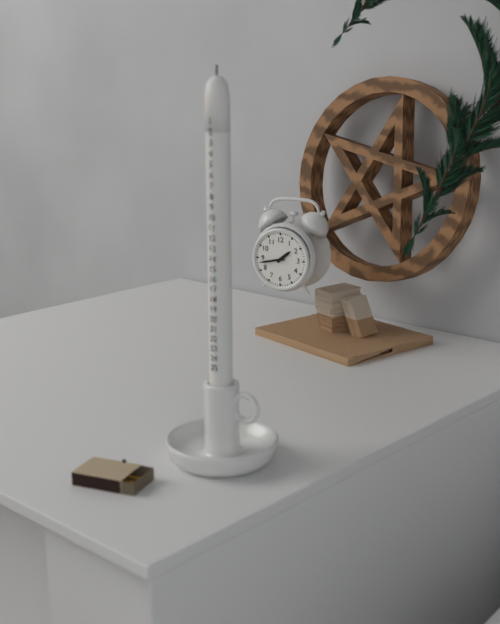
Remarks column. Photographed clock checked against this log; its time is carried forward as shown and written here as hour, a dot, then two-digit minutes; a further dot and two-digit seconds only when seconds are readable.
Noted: 1.43
